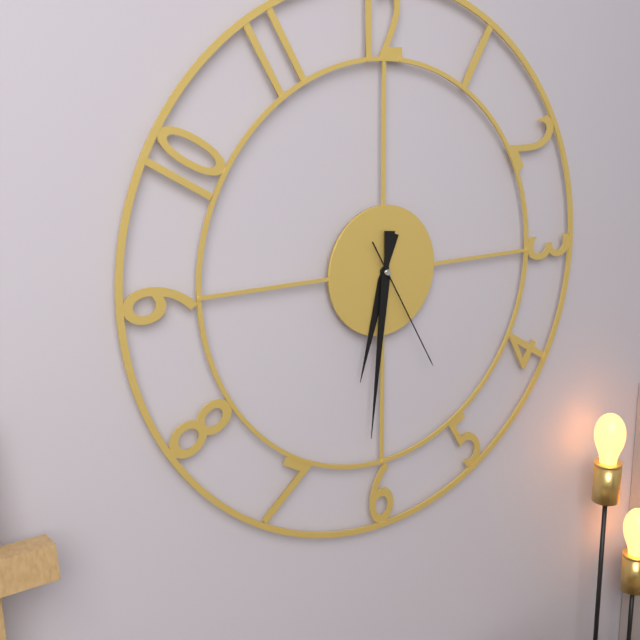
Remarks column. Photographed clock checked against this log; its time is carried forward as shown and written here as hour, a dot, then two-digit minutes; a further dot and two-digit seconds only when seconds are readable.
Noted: 6.31.25
